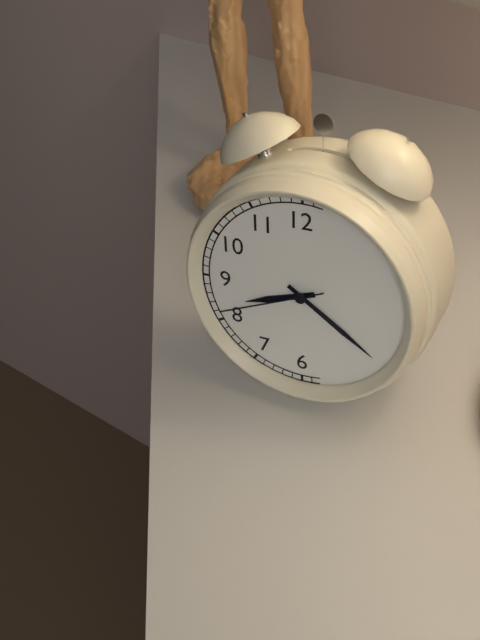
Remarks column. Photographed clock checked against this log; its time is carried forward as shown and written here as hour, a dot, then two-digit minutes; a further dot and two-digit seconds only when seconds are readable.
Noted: 8.21.41
